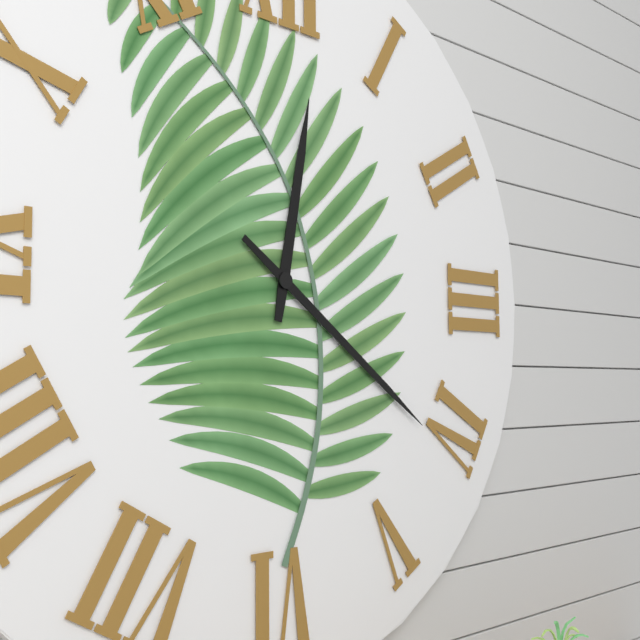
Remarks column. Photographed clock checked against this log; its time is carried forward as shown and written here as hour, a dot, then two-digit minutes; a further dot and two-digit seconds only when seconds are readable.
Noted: 12.21
